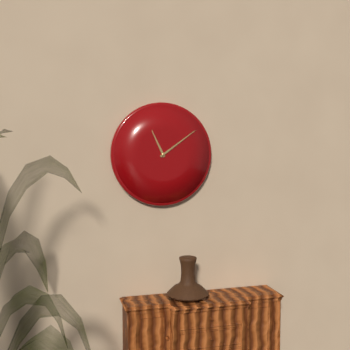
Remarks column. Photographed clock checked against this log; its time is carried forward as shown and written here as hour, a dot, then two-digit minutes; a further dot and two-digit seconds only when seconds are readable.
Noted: 11.09
